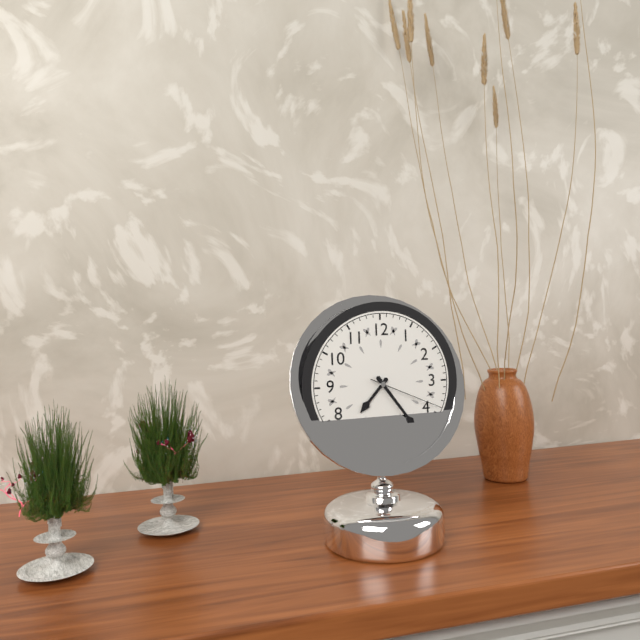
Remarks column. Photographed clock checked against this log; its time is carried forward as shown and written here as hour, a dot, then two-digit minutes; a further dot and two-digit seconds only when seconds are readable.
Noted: 7.24.19
